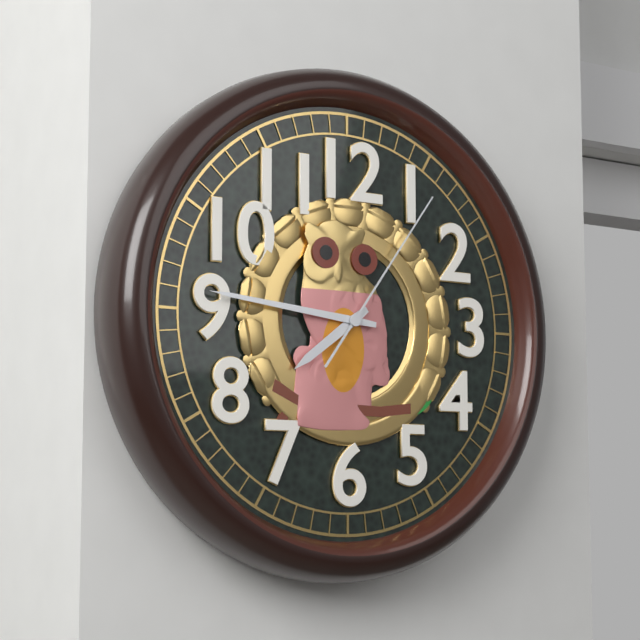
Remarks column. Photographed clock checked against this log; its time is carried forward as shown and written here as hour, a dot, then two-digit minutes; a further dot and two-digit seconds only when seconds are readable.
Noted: 7.46.06
